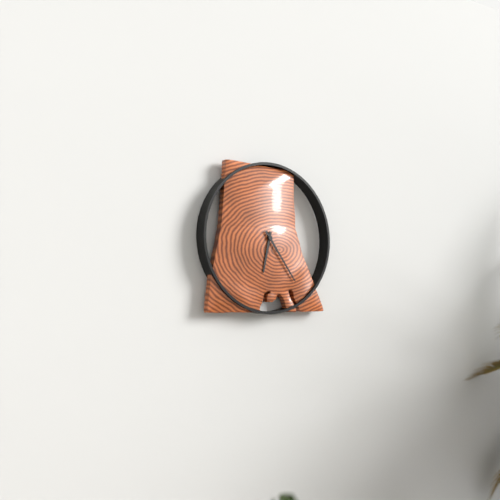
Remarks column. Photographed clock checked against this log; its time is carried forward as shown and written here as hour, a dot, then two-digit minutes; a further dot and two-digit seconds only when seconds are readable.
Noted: 6.24
